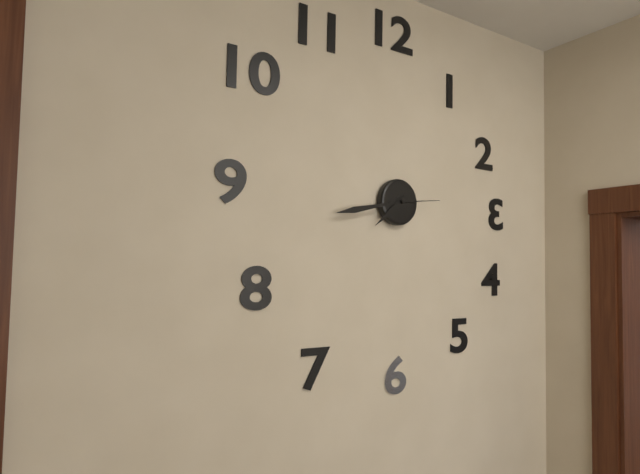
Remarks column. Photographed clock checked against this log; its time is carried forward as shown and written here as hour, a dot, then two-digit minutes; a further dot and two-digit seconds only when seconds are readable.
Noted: 7.43.14
